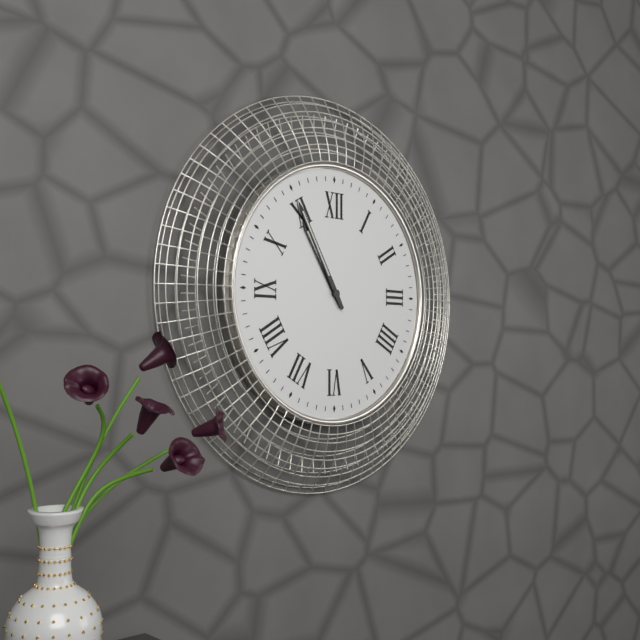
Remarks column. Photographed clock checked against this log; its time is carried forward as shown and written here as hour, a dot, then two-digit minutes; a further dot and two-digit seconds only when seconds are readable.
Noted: 10.55
